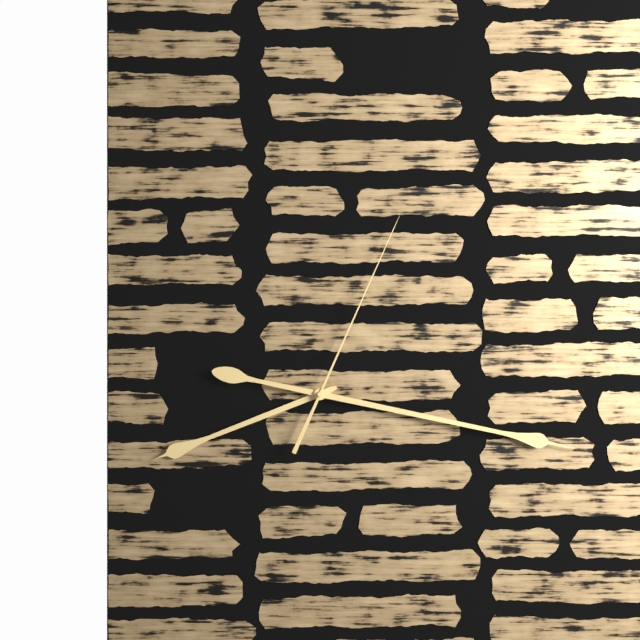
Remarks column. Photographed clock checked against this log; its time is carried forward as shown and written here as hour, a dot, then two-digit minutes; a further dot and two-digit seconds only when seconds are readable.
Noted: 8.17.04
